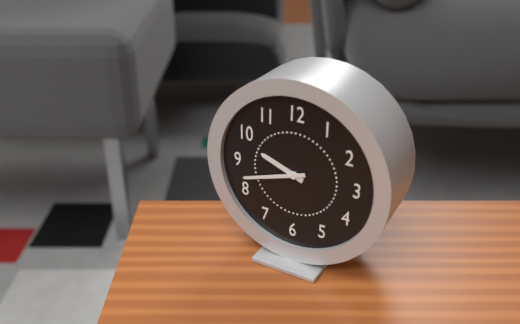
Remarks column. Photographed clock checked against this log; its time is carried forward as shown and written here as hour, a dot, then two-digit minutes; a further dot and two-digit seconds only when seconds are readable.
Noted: 9.42
